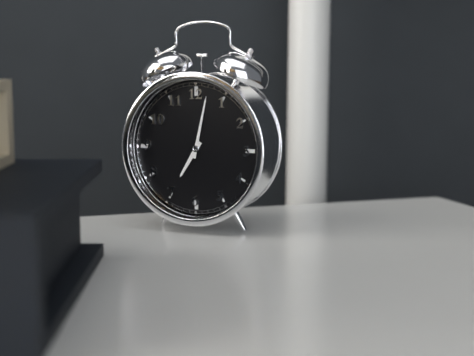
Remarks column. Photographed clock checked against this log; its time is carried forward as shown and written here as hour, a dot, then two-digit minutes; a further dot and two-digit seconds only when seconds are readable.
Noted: 7.02
